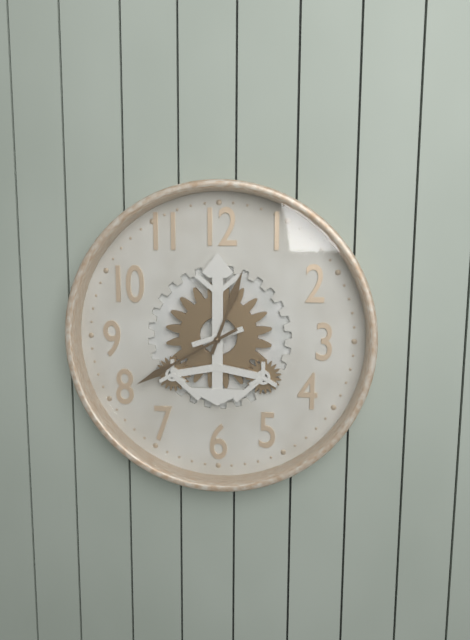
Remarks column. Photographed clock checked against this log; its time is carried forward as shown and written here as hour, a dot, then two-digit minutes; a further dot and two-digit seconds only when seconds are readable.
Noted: 12.40
